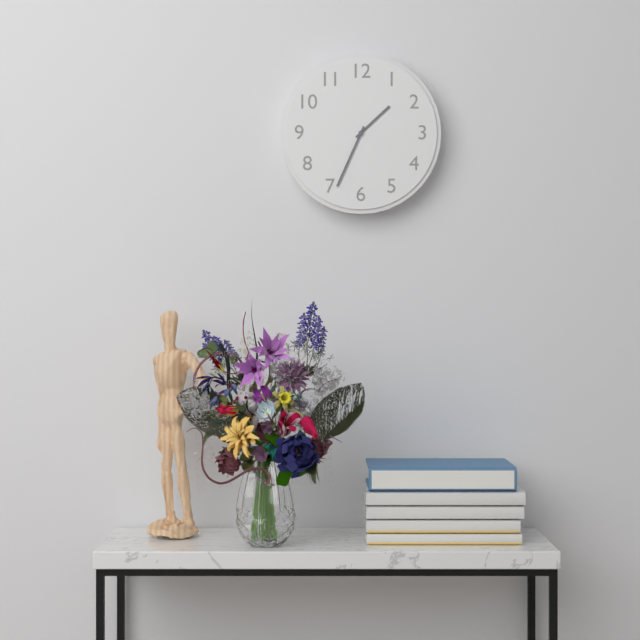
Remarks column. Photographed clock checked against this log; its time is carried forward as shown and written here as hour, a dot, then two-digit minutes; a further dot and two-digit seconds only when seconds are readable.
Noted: 1.34
